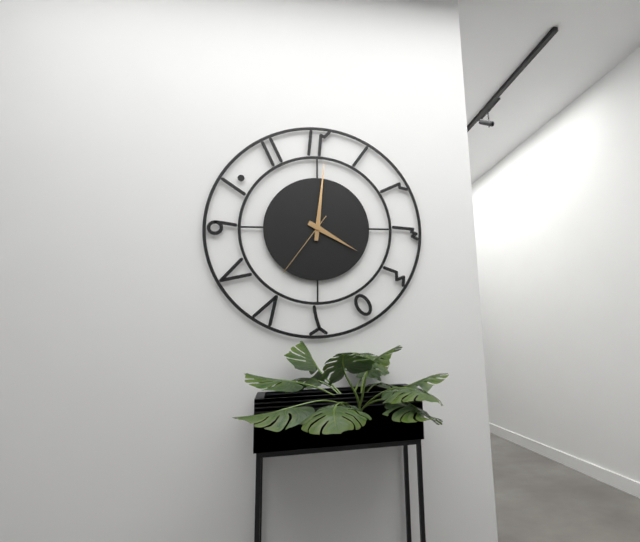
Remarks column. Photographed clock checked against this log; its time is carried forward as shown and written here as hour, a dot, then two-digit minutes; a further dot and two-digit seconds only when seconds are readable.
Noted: 4.01.36
